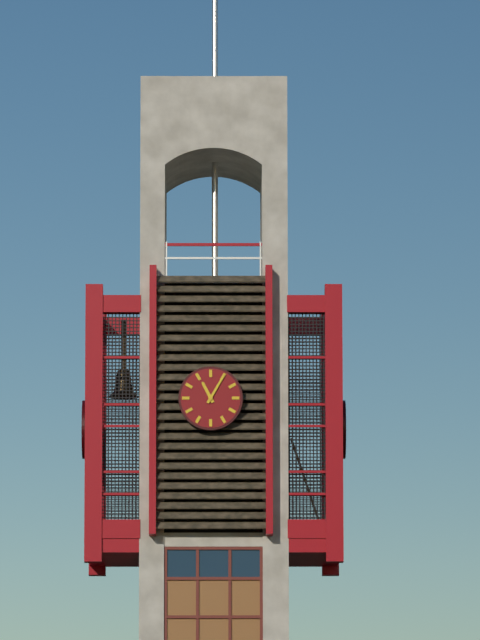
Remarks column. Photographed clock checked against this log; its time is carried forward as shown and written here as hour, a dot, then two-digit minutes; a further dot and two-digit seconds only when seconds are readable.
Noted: 11.05
